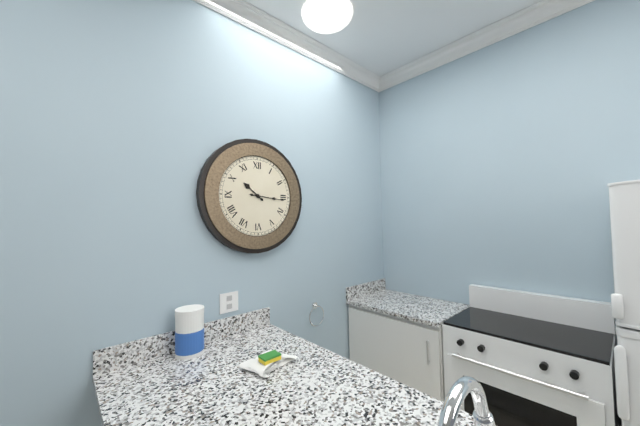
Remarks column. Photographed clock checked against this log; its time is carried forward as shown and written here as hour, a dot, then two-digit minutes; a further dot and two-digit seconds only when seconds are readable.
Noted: 10.16
